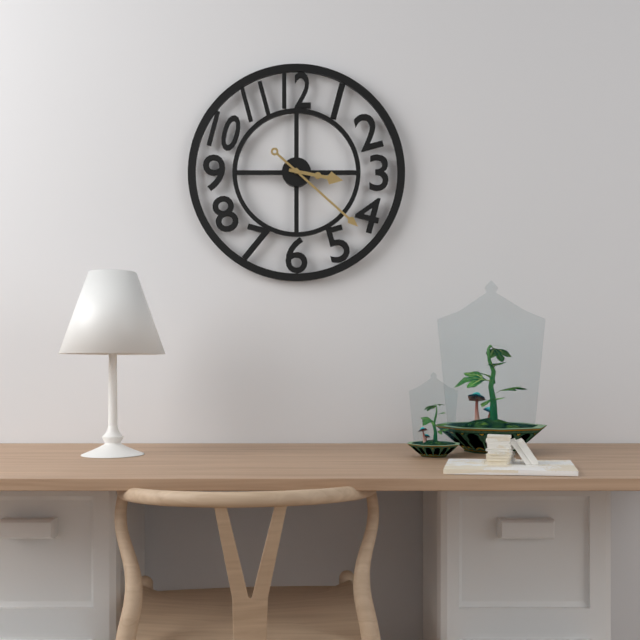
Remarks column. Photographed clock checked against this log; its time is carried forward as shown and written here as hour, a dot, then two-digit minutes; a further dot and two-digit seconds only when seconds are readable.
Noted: 3.22
